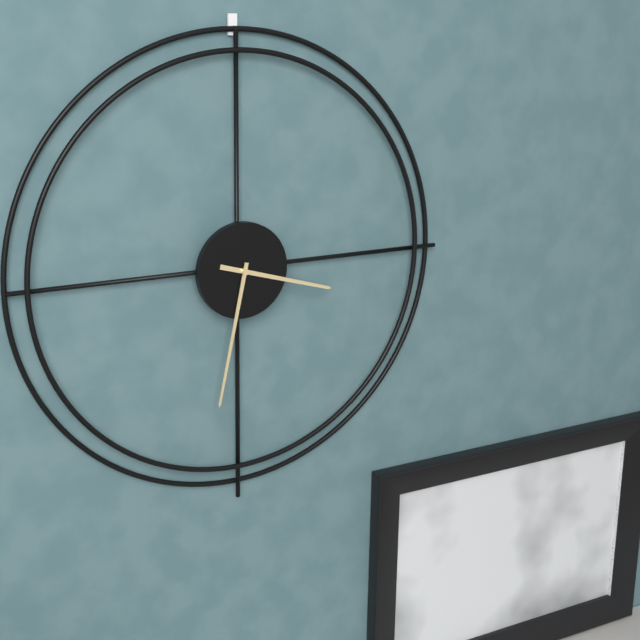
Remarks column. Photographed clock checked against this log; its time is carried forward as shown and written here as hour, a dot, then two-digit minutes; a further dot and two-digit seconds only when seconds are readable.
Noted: 3.32
